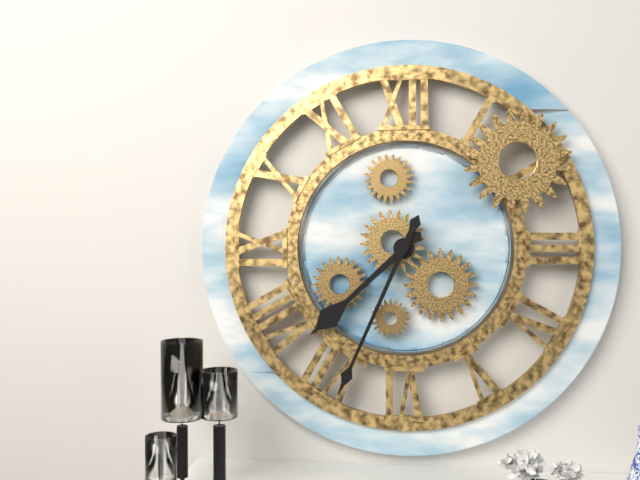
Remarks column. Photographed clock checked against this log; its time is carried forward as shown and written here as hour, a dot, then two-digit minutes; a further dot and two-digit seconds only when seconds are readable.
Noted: 7.34
